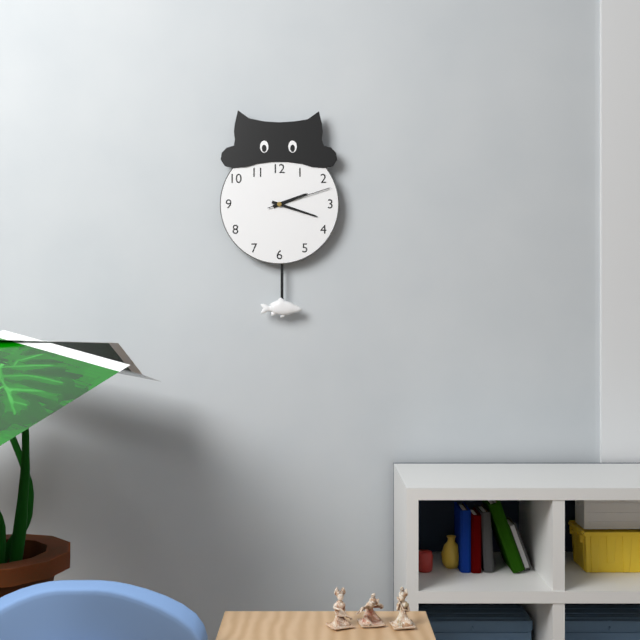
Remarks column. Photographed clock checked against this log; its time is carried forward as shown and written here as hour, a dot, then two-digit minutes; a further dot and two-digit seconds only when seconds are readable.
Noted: 2.18.12
